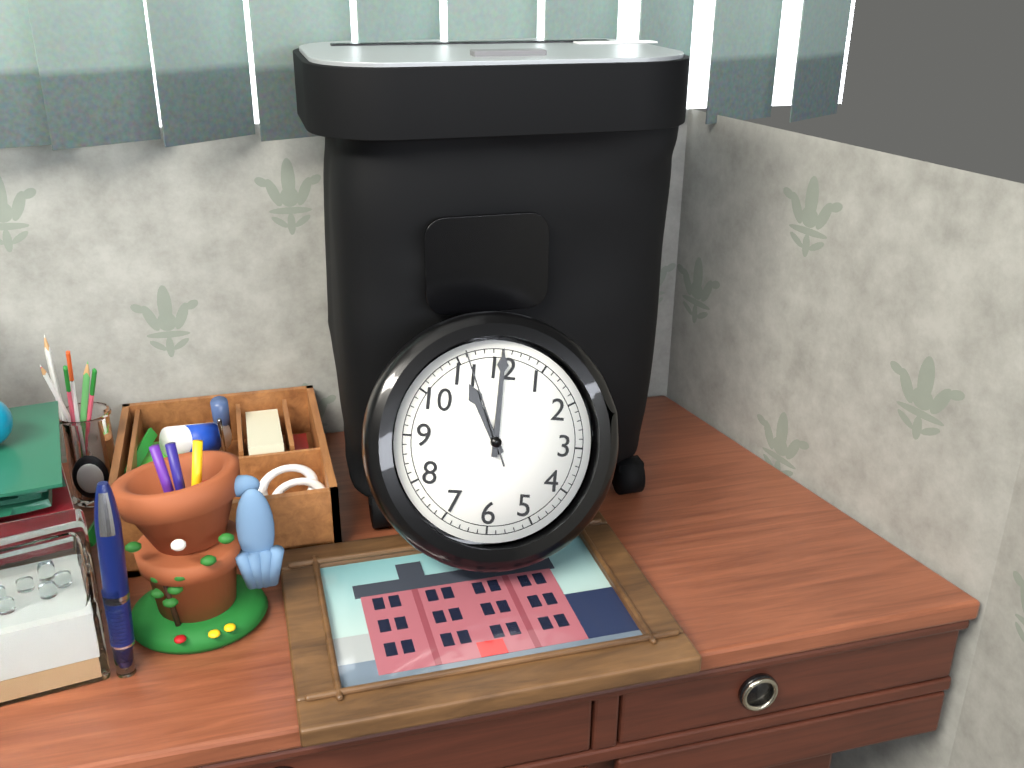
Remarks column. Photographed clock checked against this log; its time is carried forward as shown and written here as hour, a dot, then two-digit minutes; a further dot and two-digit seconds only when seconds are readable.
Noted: 11.00.56
